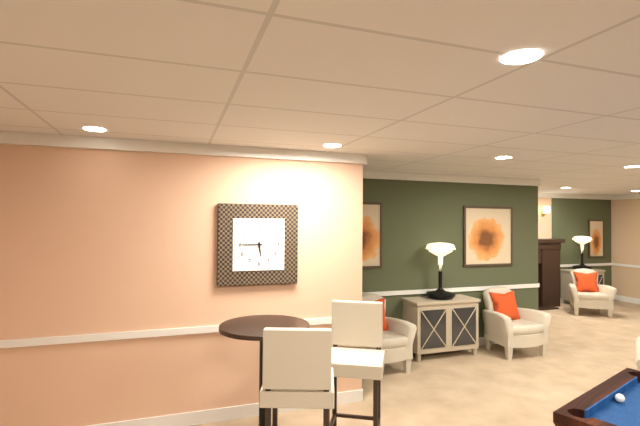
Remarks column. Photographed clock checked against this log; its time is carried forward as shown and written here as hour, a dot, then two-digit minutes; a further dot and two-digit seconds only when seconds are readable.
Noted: 5.45
